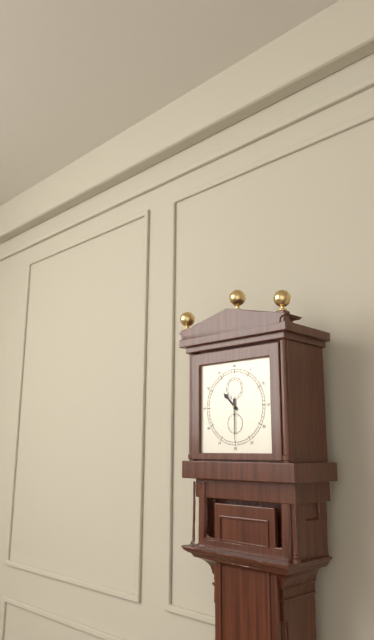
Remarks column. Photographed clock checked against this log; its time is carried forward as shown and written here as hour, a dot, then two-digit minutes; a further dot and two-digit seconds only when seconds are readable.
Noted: 10.30
